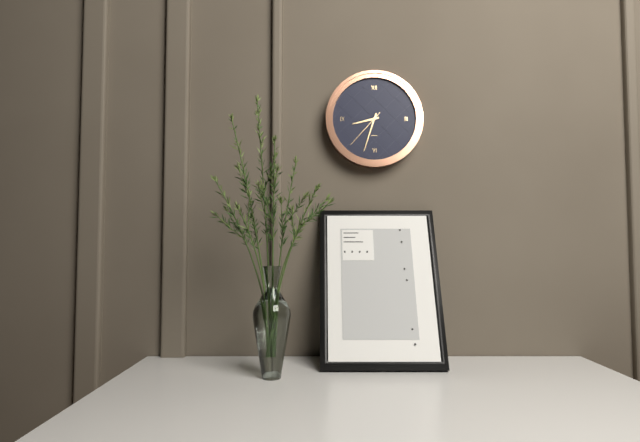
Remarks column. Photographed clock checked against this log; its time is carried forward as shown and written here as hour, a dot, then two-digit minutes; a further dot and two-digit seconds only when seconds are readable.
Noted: 8.33
